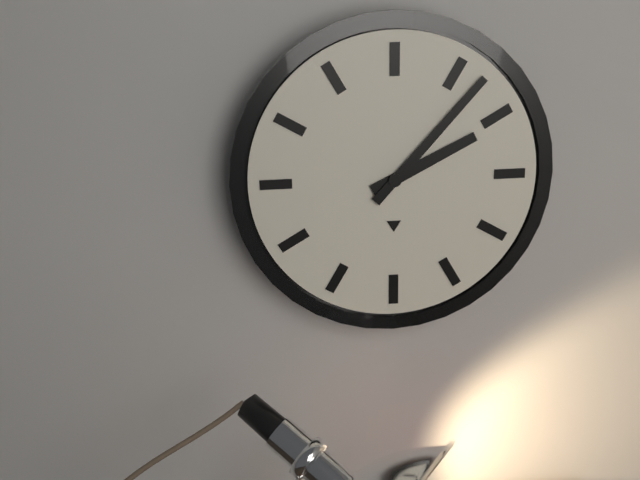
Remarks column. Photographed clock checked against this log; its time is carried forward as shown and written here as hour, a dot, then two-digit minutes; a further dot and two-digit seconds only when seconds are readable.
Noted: 2.07
